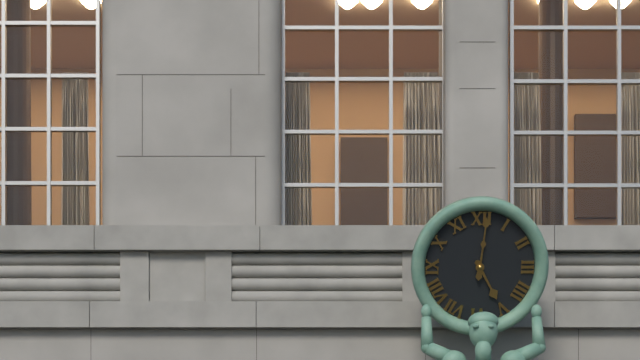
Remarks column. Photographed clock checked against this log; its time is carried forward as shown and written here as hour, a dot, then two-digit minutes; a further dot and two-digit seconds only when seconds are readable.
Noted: 5.01
